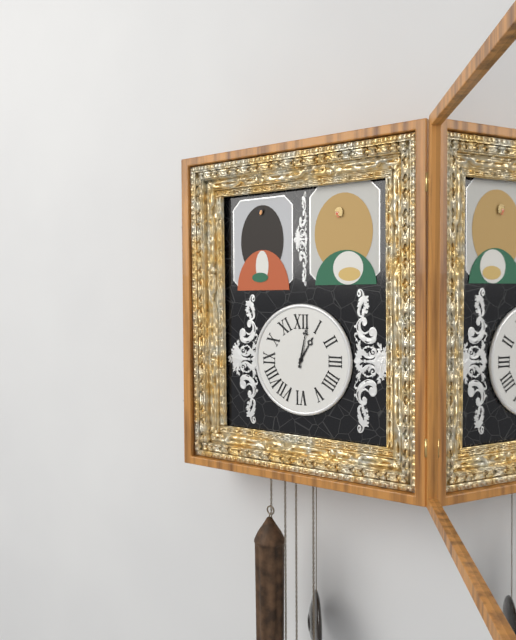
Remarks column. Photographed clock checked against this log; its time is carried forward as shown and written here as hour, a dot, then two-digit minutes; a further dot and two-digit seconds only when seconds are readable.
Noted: 1.02
